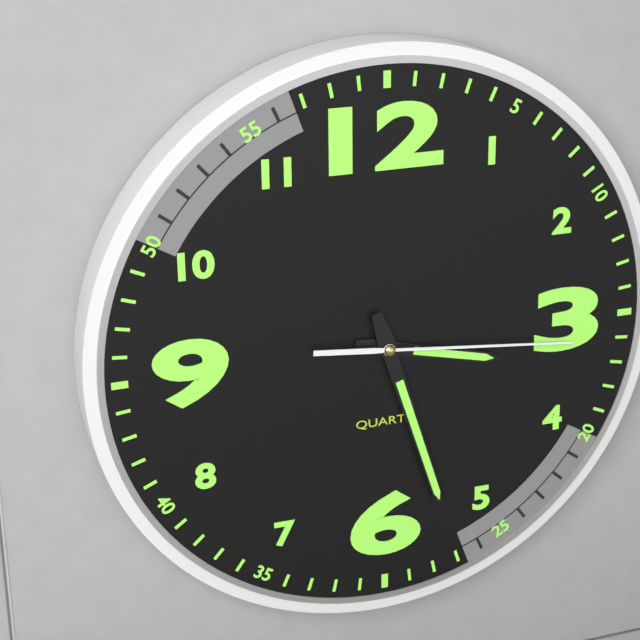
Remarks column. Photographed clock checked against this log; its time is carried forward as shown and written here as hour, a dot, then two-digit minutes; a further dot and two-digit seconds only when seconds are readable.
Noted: 3.27.16
